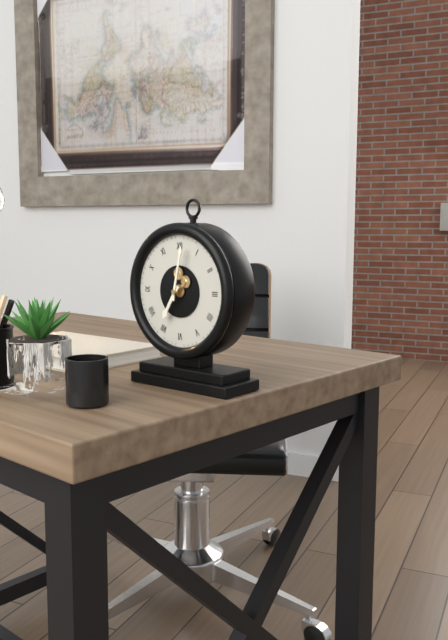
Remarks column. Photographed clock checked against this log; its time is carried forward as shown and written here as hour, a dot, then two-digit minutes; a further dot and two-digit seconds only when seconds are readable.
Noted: 7.02
